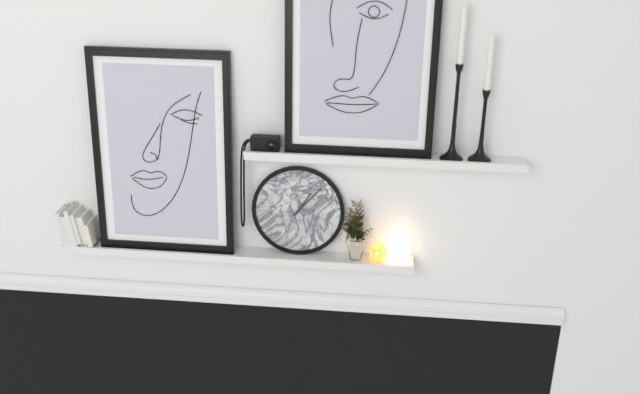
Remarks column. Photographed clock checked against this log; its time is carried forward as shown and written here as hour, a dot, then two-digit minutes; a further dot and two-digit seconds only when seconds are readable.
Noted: 1.07
